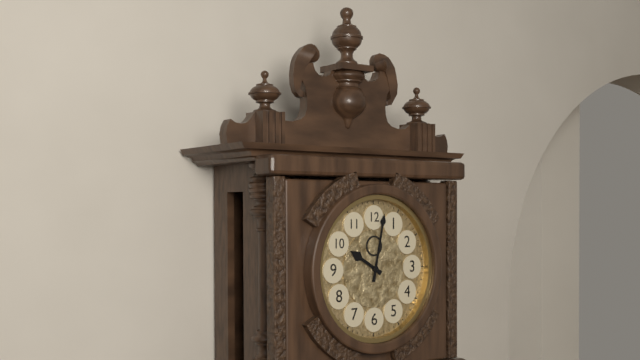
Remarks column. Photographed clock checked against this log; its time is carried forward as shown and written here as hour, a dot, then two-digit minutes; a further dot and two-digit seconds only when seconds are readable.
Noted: 10.02
